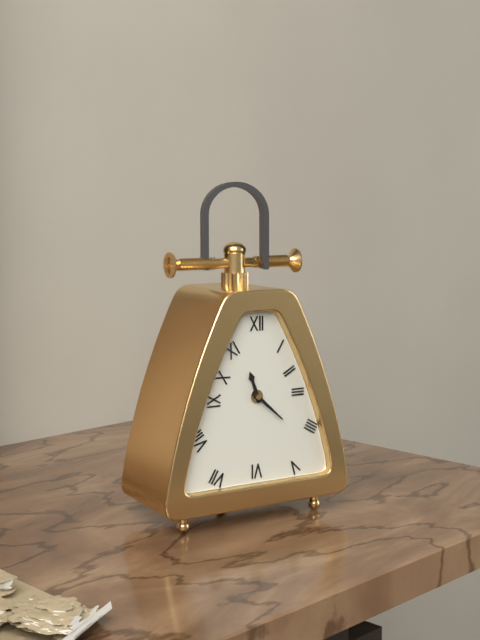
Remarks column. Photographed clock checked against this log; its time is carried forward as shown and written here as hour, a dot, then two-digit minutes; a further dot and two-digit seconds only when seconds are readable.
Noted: 11.22
